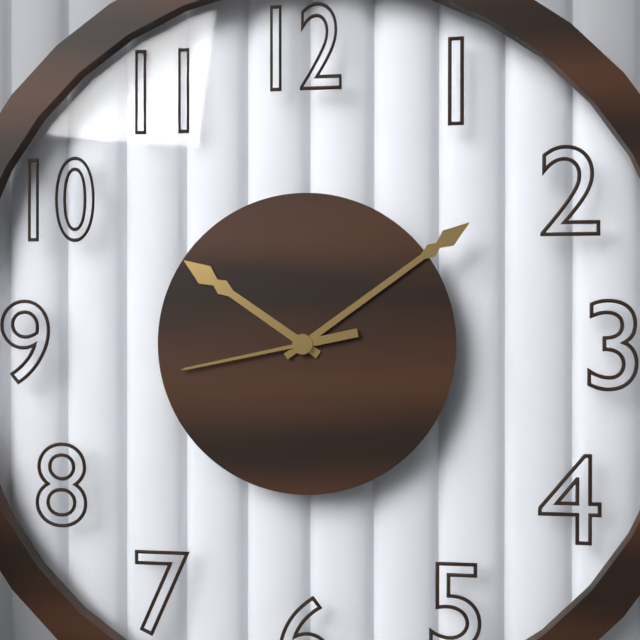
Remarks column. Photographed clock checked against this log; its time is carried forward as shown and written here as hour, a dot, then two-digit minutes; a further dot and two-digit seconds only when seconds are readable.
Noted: 10.09.43
